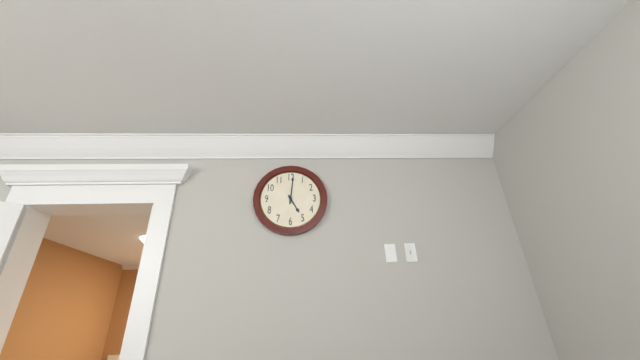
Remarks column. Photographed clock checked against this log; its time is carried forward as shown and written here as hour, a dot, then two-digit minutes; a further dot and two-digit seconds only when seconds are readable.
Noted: 5.01
